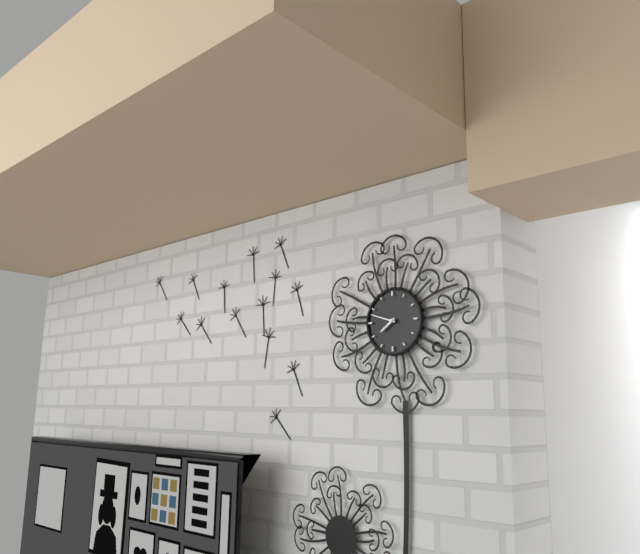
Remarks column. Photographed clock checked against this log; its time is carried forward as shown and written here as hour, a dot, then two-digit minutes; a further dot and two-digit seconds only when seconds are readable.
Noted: 7.48
